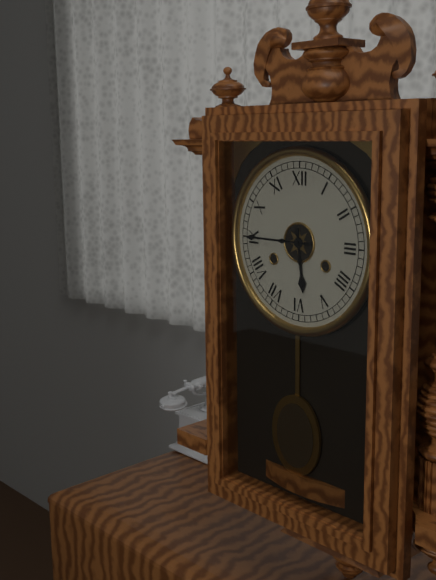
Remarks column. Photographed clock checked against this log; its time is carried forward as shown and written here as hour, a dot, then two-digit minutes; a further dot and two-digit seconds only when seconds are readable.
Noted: 5.45
